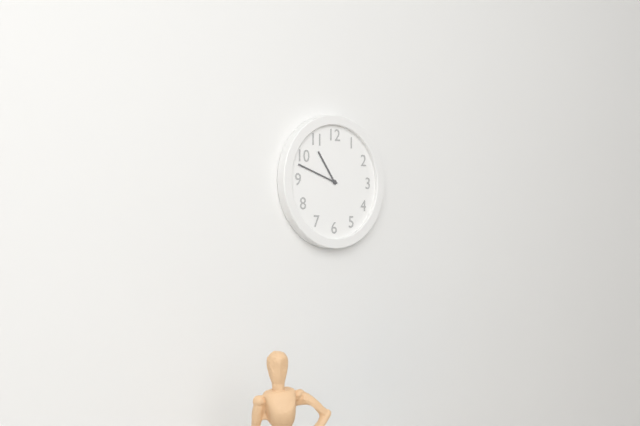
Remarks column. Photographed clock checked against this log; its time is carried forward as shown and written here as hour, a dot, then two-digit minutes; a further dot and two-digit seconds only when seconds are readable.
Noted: 10.48
